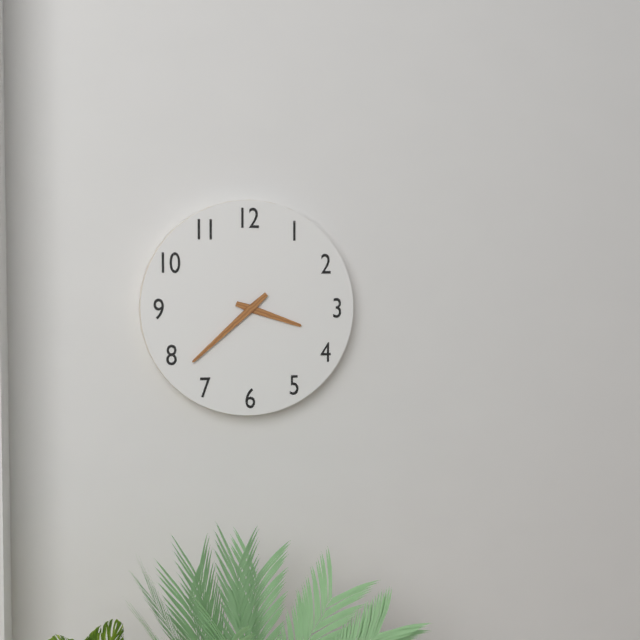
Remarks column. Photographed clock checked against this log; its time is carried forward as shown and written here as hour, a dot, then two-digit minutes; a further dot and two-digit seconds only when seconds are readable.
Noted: 3.38
